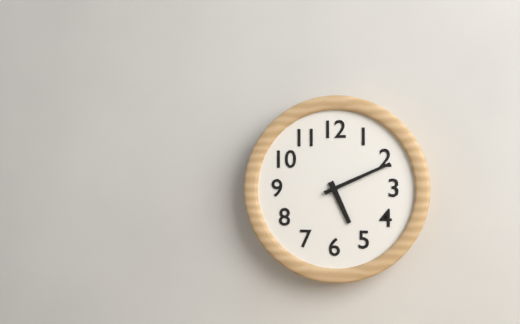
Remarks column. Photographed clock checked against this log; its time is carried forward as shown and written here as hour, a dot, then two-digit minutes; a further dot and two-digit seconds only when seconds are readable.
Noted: 5.11
